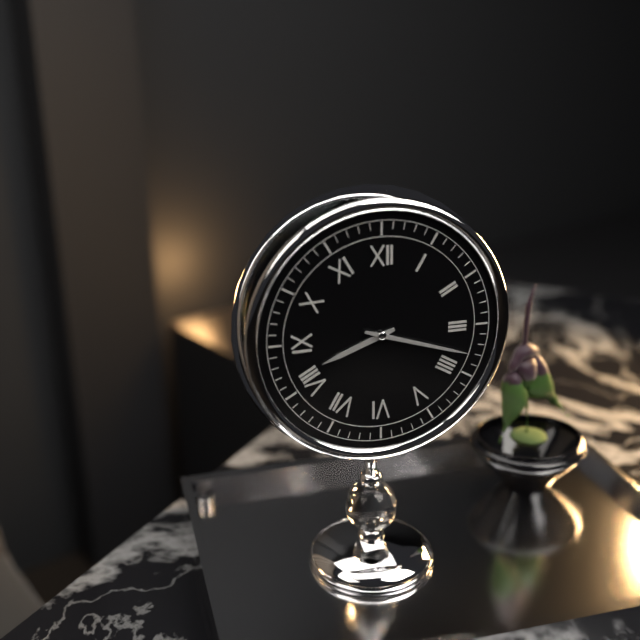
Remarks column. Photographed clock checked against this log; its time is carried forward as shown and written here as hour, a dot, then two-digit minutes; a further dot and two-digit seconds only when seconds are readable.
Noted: 8.18
